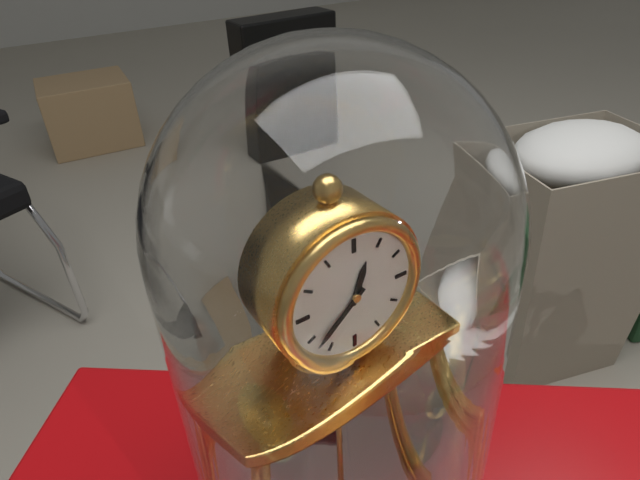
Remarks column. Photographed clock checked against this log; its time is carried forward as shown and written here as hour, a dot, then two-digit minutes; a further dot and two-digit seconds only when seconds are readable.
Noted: 12.38
